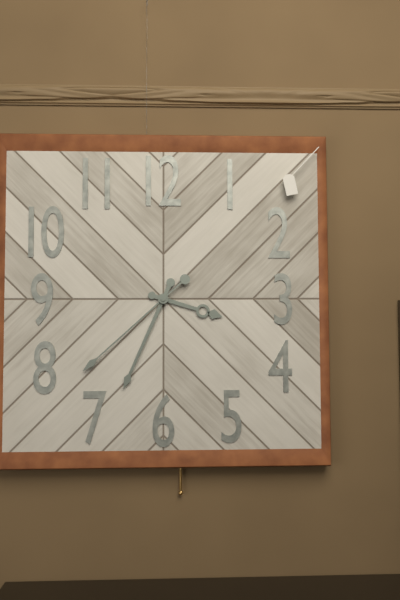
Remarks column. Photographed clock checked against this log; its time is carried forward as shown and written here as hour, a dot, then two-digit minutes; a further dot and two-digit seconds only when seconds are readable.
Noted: 3.34.38
